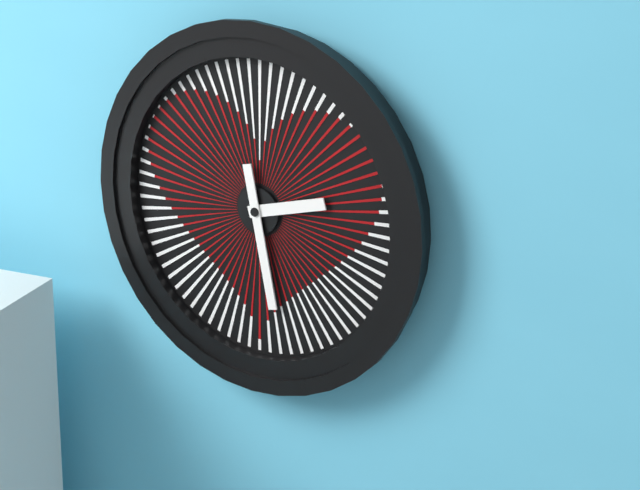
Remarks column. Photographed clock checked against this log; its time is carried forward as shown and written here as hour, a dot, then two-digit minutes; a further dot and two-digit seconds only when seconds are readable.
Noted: 2.28
